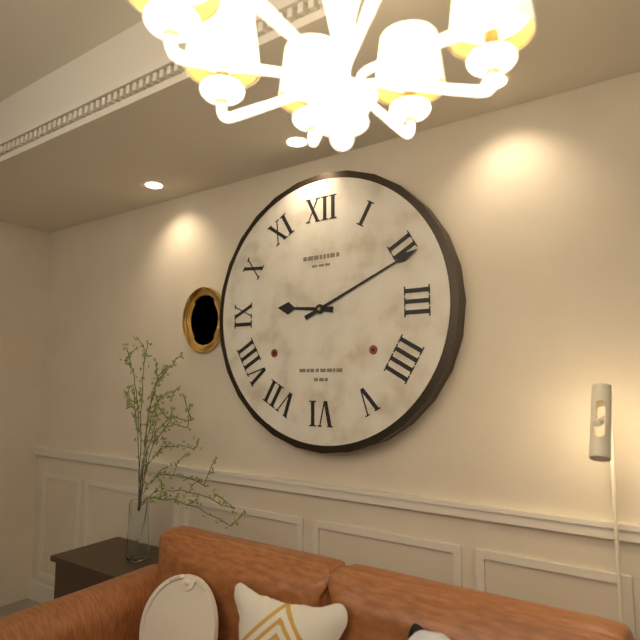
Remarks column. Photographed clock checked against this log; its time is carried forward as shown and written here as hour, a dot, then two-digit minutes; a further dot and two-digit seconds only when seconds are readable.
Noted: 9.11
